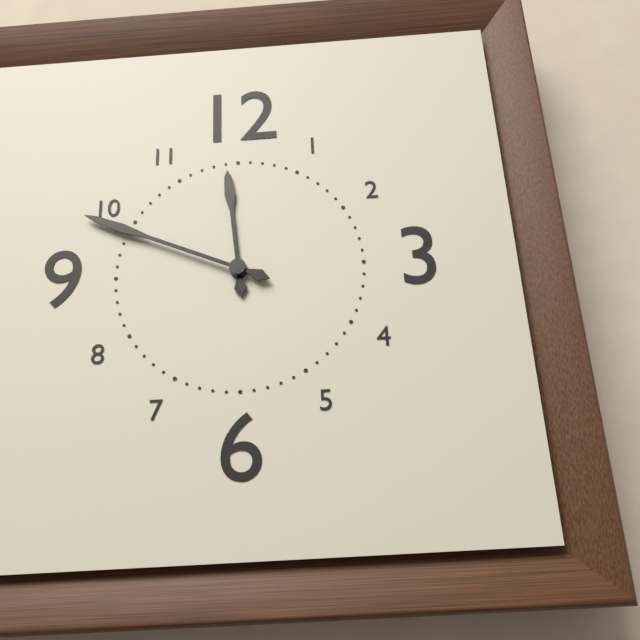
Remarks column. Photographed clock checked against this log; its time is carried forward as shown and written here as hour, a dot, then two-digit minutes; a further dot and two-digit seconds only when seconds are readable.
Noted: 11.49
